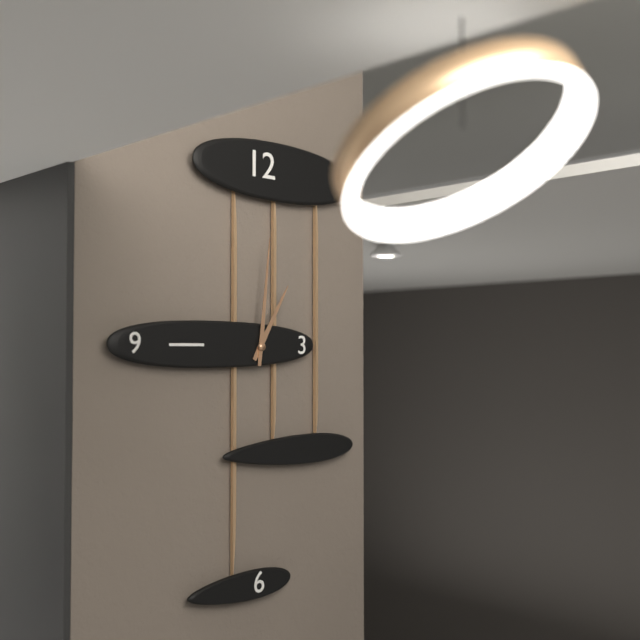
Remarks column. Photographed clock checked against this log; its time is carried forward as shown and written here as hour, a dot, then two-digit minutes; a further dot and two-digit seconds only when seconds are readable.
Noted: 1.01
